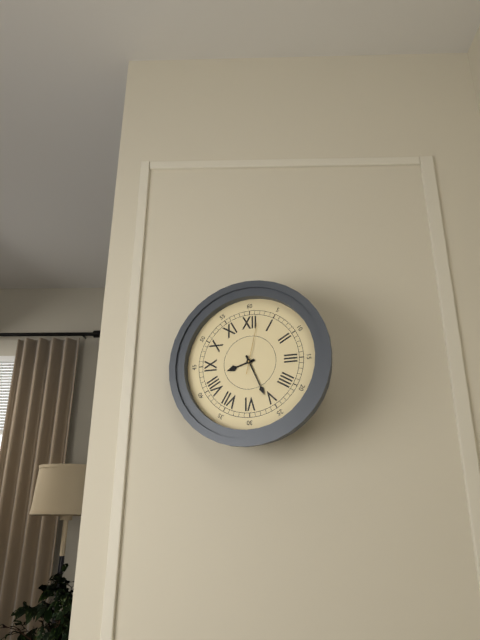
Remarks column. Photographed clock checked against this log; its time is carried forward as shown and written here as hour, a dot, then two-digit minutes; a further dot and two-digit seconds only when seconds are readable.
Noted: 8.26
